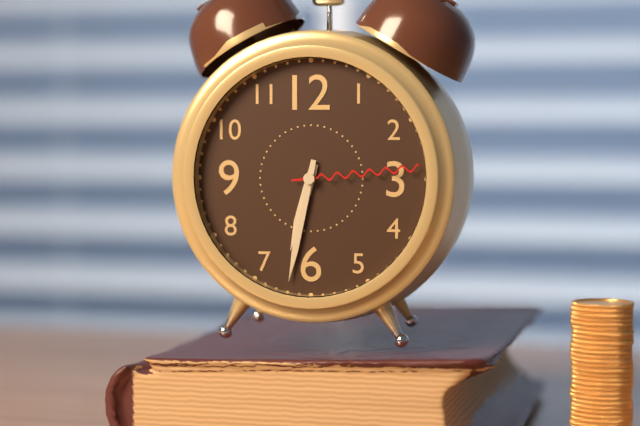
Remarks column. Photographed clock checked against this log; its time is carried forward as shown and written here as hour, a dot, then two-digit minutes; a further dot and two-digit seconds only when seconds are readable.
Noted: 6.32.14
